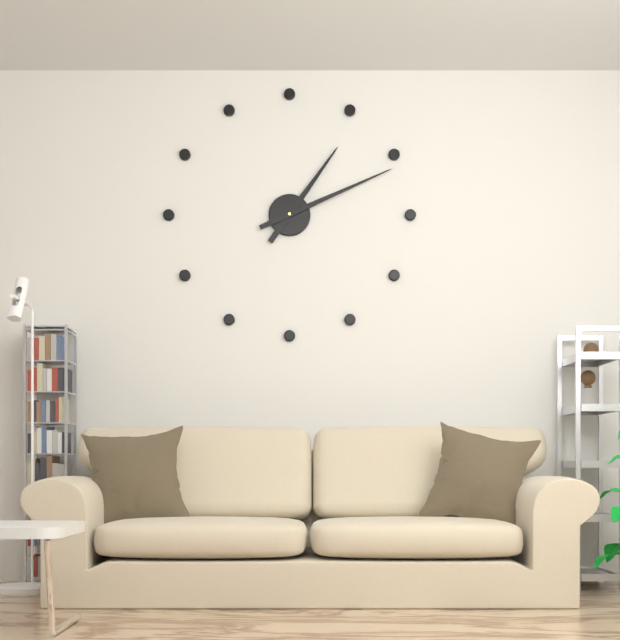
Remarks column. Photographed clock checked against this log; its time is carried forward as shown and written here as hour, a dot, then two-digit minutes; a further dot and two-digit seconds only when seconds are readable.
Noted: 1.11
